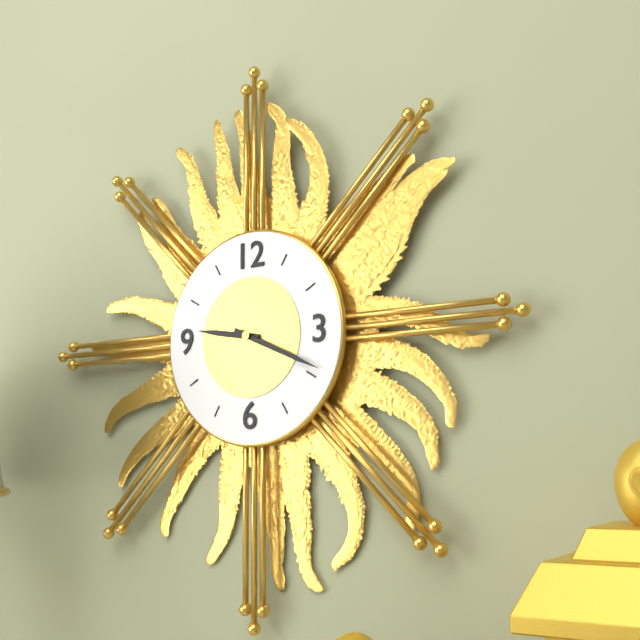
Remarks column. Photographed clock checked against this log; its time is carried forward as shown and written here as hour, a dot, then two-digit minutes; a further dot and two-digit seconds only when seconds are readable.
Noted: 9.19
